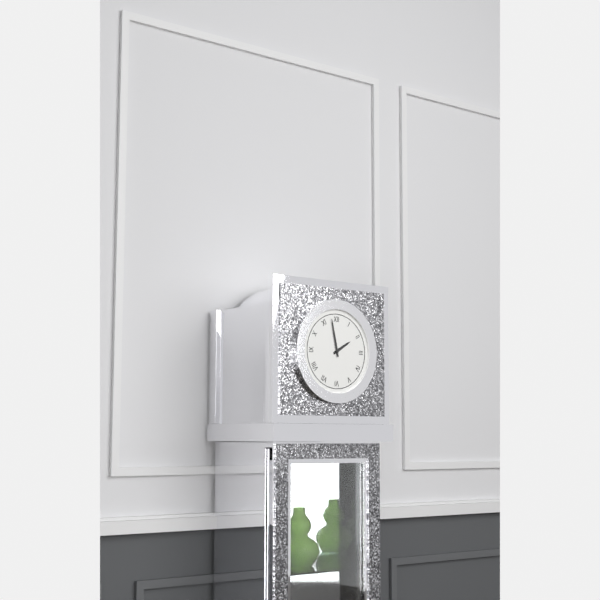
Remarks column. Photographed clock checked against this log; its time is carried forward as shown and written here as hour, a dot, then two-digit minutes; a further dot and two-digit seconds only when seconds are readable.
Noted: 1.58
